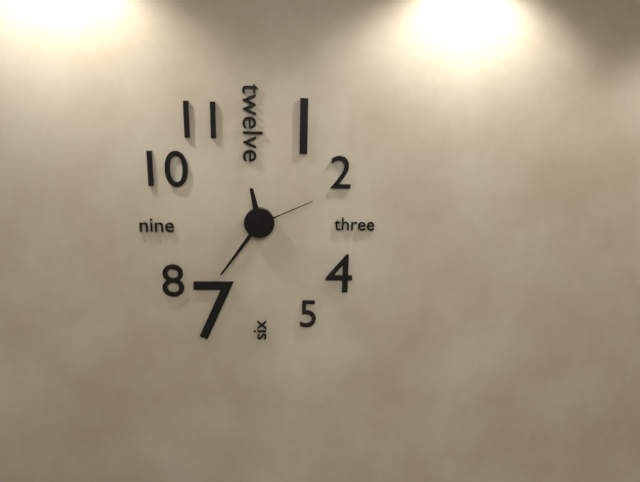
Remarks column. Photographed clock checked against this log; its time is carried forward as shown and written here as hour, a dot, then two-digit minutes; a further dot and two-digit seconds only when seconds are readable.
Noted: 11.36.11
